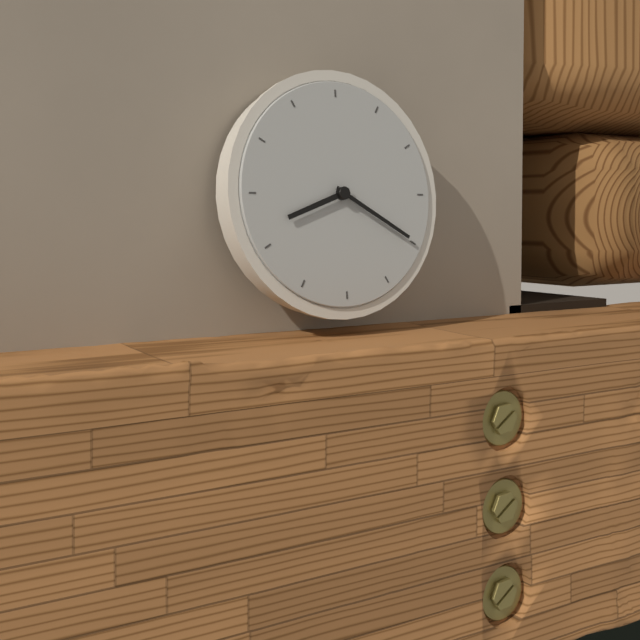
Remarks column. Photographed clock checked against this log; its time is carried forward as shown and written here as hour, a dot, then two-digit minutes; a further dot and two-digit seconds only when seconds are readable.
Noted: 8.20
